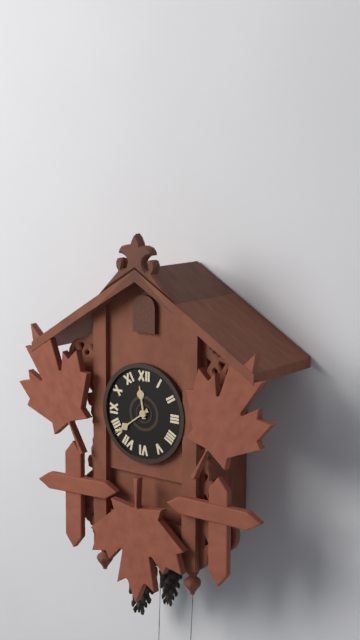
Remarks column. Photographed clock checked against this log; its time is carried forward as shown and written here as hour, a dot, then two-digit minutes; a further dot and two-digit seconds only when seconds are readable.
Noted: 11.39
